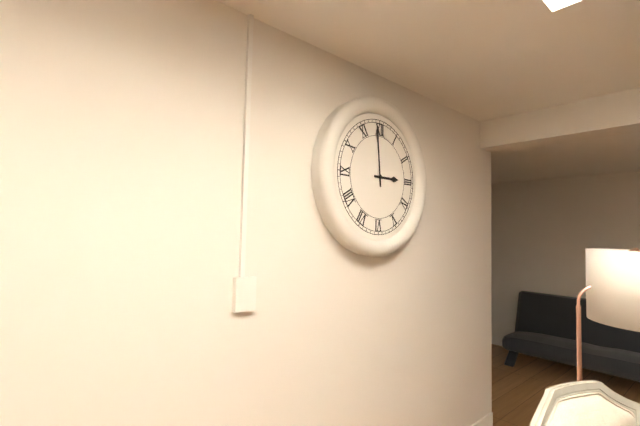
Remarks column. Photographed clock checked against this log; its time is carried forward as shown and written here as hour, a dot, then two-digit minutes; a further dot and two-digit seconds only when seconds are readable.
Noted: 2.59
